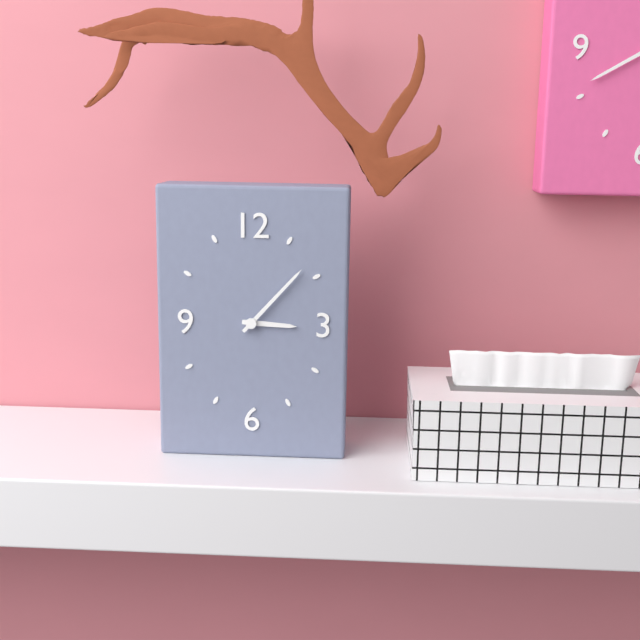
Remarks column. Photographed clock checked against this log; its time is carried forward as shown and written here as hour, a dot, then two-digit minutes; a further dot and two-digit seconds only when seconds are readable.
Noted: 3.07
